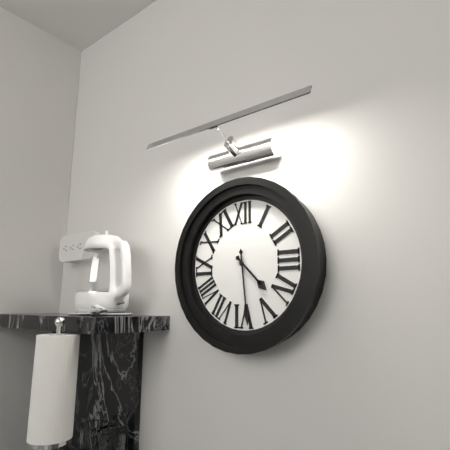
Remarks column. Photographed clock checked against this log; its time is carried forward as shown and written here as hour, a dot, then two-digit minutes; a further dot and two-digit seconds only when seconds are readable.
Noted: 4.29
